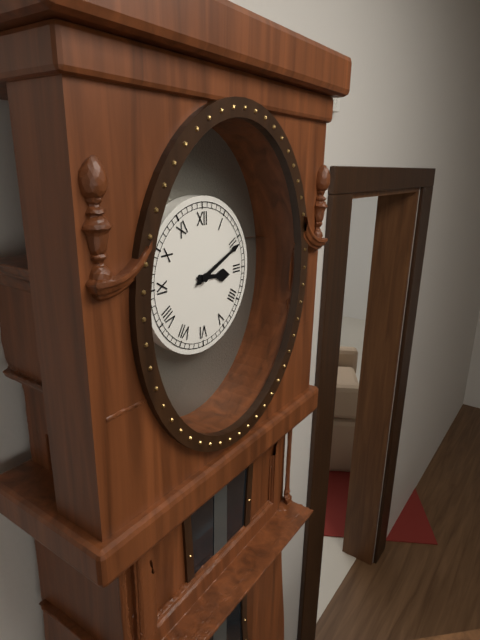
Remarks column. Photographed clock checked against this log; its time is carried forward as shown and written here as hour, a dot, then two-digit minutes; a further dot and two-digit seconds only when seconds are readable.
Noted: 3.11
